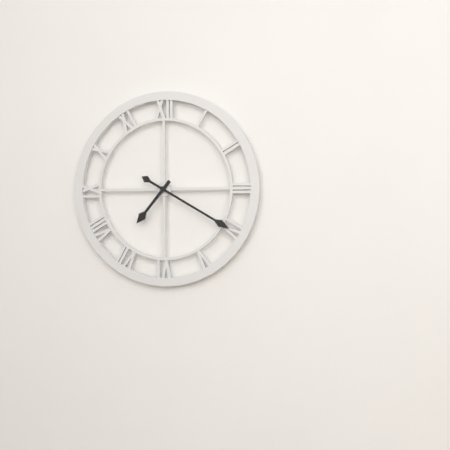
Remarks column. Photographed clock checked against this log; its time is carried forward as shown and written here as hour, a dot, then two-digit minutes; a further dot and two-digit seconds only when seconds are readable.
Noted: 7.20
